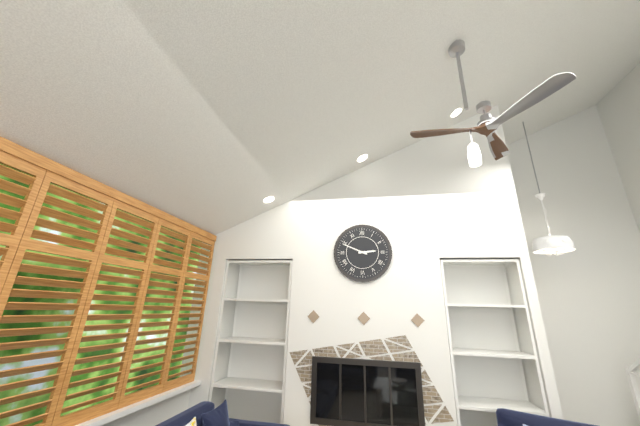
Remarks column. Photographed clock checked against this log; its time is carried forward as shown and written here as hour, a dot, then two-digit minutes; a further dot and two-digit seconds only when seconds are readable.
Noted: 2.49
